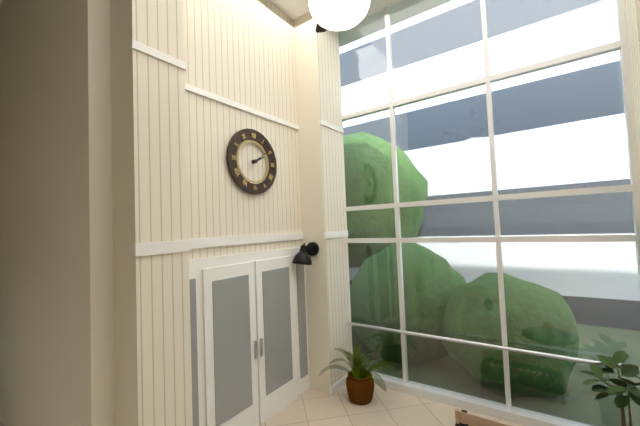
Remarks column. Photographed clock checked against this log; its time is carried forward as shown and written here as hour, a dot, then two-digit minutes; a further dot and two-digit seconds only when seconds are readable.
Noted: 2.09
